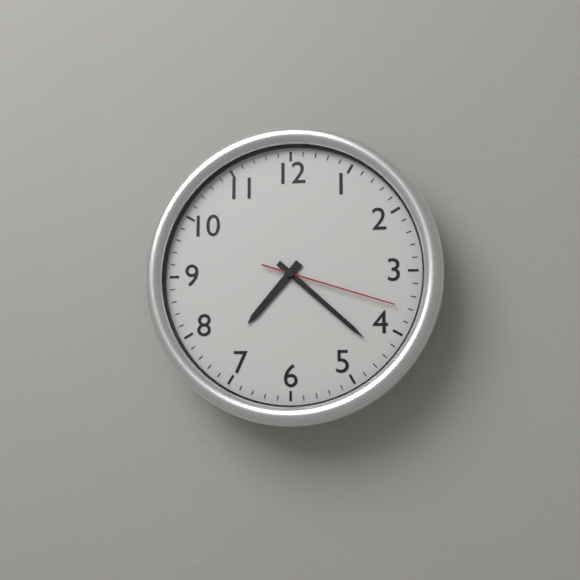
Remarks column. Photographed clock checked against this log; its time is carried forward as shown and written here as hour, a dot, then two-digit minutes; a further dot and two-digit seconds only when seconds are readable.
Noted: 7.22.18
